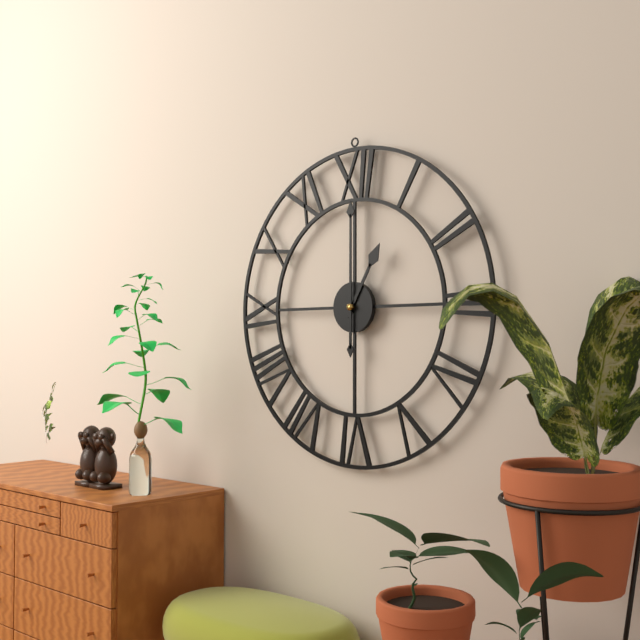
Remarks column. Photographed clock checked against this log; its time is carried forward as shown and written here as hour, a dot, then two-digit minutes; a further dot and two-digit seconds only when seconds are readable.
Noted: 1.00
